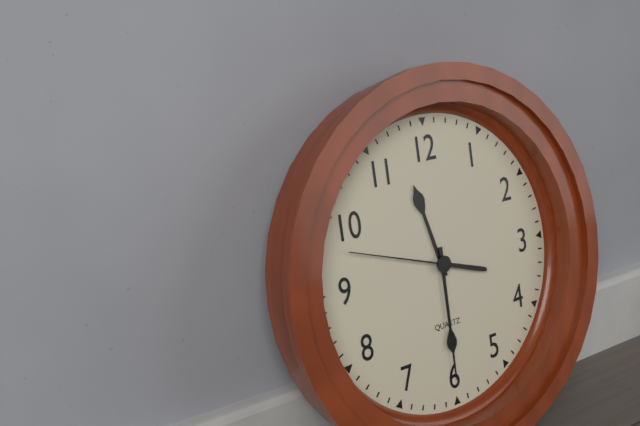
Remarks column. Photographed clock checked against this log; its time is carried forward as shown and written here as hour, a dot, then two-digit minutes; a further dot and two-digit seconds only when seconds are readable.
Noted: 11.30.48
